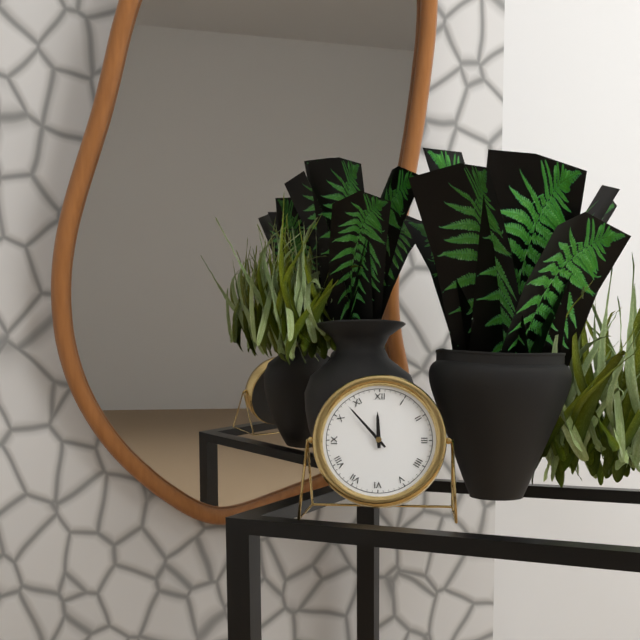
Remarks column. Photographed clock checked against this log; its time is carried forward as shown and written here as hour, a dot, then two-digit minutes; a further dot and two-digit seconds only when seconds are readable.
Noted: 11.53
